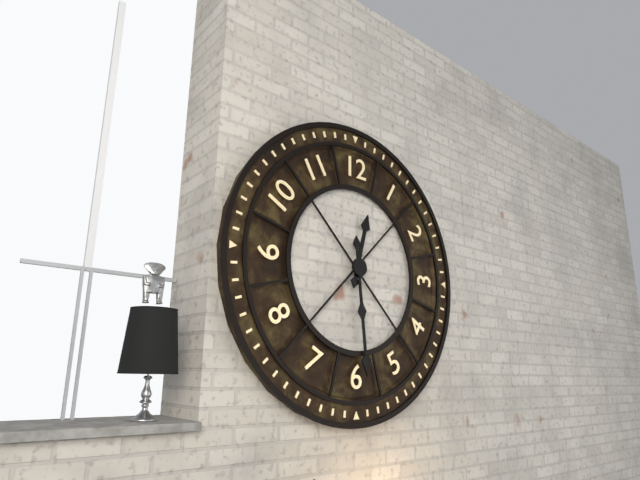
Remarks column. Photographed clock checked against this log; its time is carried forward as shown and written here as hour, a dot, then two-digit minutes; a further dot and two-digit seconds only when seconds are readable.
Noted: 12.29
